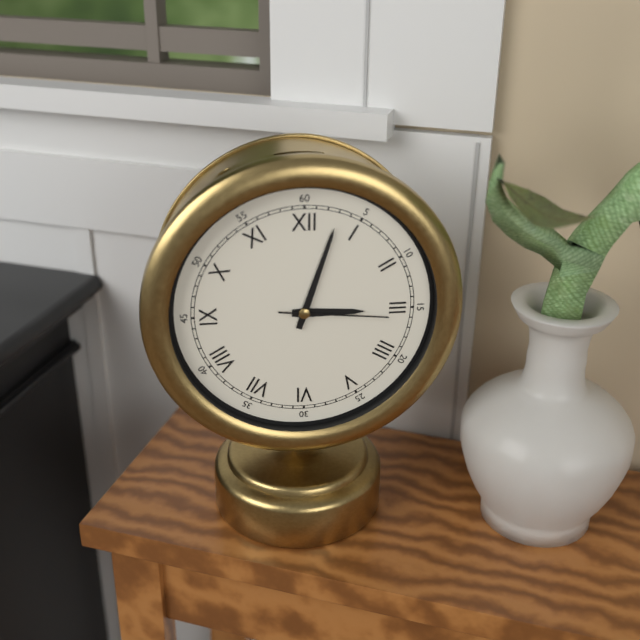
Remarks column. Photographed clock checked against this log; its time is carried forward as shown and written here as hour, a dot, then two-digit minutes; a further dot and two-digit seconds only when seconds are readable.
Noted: 3.03.16
